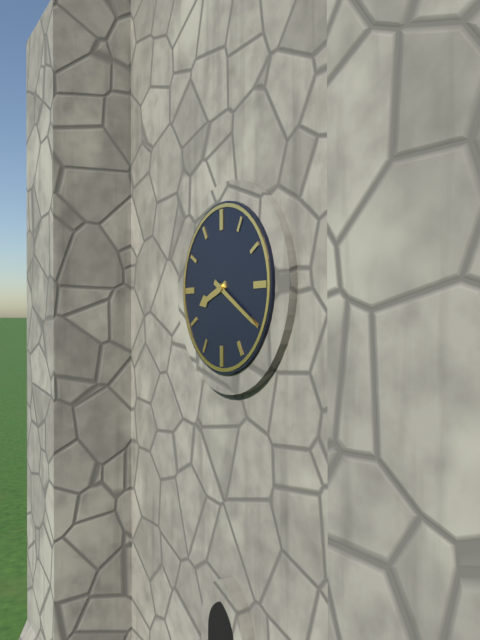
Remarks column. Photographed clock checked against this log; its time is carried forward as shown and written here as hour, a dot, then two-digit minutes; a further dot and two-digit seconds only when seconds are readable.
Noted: 8.20
